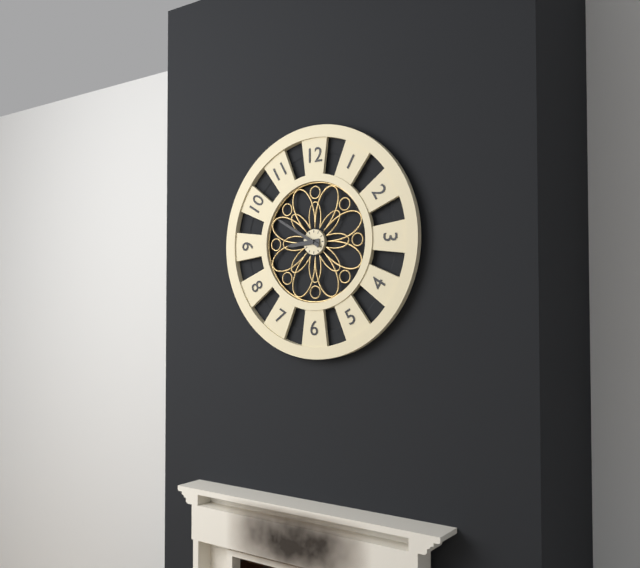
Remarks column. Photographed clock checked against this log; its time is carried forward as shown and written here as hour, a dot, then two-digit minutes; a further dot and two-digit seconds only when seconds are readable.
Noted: 8.50
